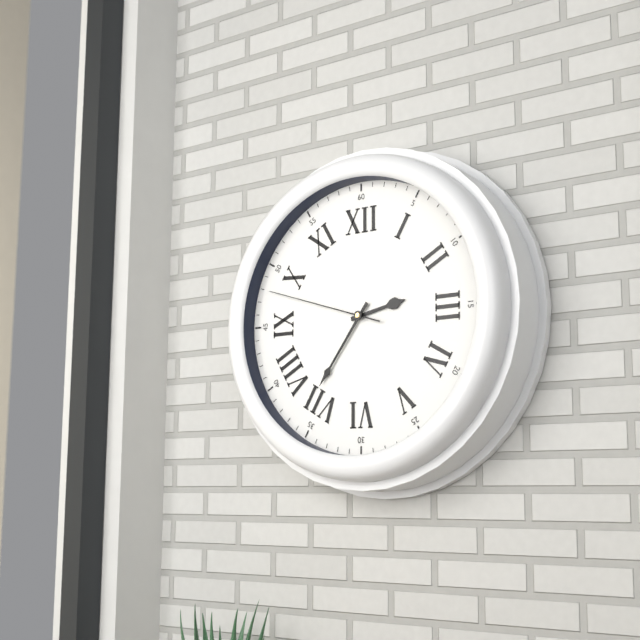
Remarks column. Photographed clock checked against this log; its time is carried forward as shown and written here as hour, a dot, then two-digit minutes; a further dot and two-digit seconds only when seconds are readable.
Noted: 2.36.48
